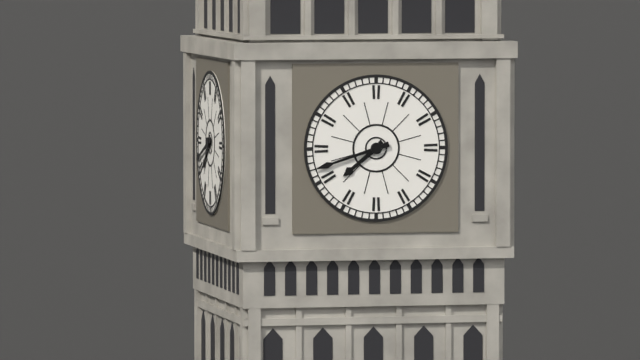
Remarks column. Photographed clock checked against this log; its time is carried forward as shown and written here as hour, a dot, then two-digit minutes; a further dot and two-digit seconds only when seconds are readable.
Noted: 7.42
